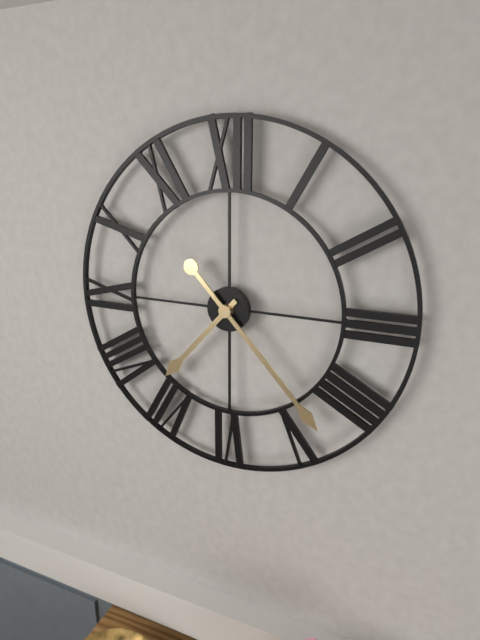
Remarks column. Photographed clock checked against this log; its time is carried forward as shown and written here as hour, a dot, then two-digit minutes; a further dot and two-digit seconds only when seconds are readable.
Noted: 7.23
